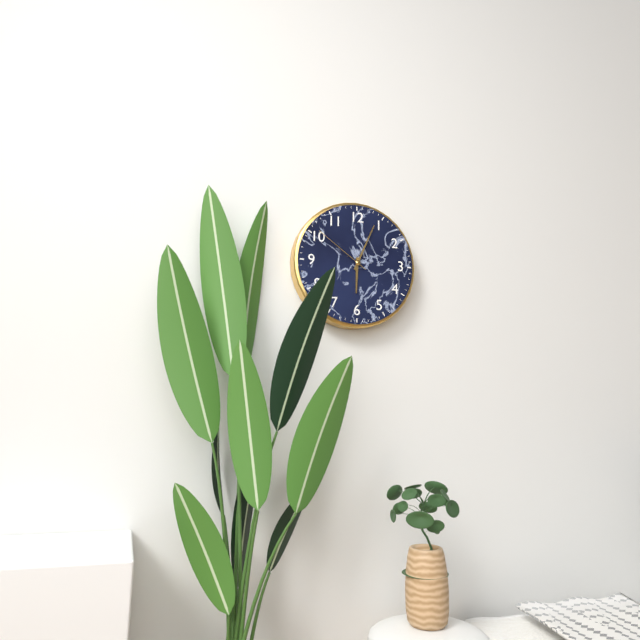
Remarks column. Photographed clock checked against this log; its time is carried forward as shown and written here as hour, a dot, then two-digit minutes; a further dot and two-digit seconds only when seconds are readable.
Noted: 6.04.51
